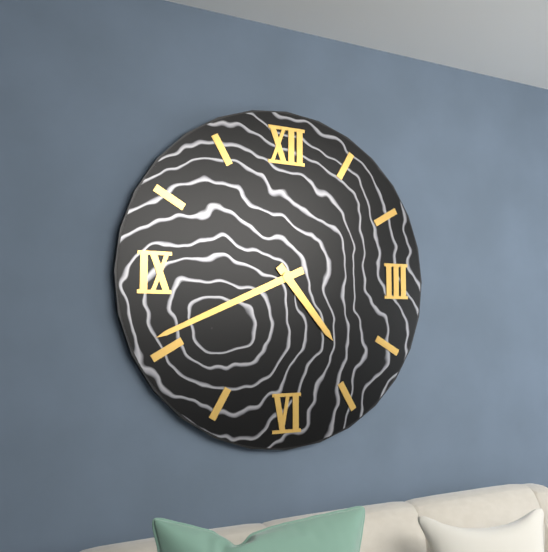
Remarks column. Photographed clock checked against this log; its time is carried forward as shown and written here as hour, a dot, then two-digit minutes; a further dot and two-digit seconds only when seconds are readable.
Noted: 4.41
